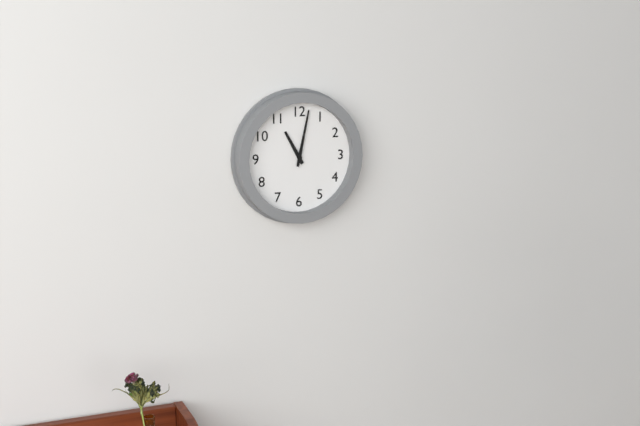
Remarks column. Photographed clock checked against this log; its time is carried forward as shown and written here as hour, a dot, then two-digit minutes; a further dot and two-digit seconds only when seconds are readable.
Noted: 11.02
